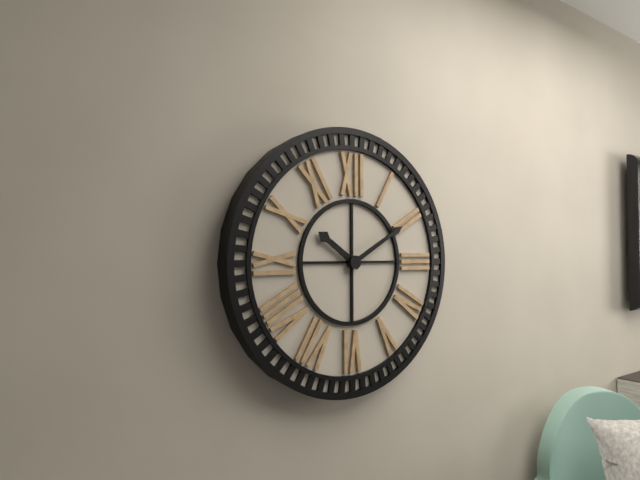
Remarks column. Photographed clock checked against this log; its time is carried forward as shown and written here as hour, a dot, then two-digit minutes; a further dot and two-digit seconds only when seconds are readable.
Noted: 10.10
